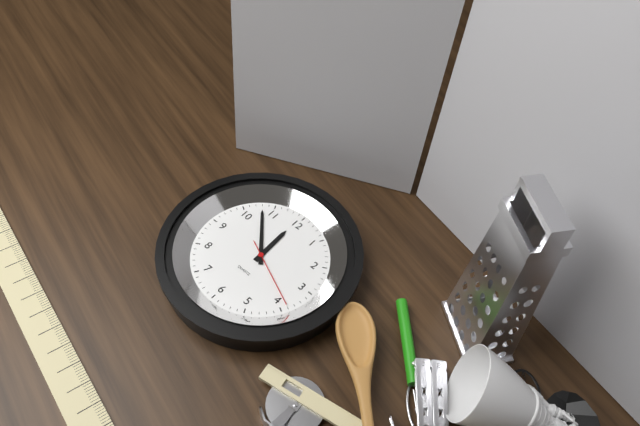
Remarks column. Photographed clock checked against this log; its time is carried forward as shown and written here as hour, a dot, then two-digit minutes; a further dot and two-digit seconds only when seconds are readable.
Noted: 11.53.19
